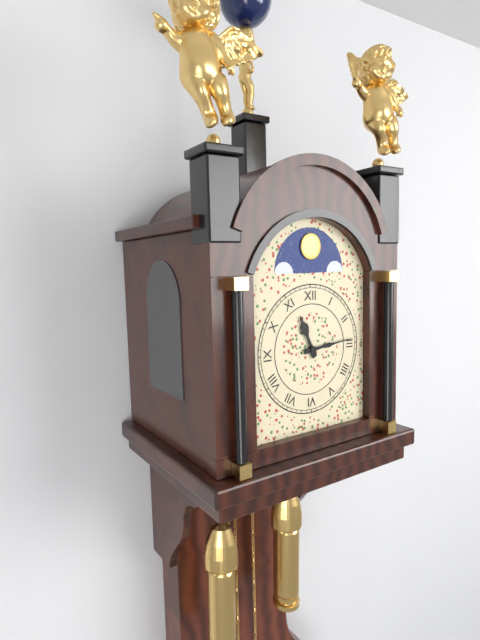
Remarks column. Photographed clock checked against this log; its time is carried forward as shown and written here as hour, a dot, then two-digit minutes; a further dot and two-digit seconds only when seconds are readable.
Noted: 11.14
